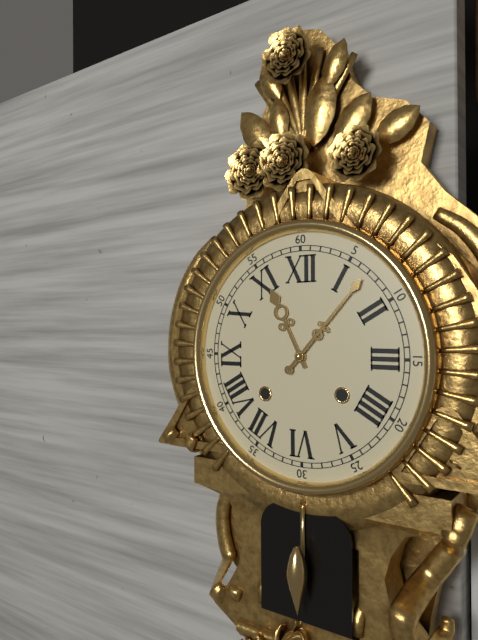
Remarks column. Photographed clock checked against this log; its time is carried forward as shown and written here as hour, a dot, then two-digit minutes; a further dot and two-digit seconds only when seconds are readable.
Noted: 11.07
